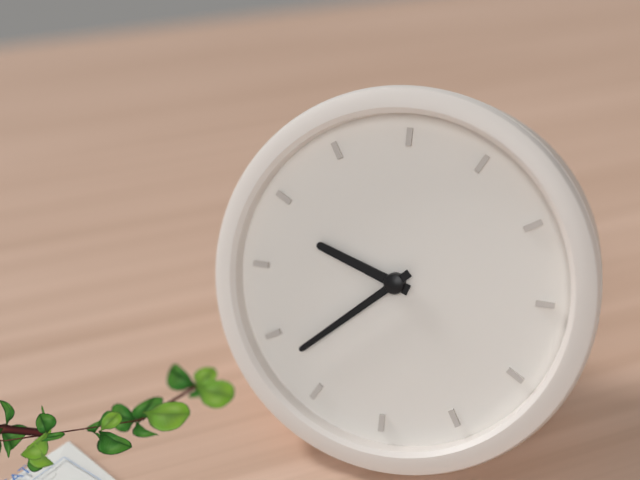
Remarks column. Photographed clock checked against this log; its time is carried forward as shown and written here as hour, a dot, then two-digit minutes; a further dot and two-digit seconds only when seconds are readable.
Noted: 9.38
